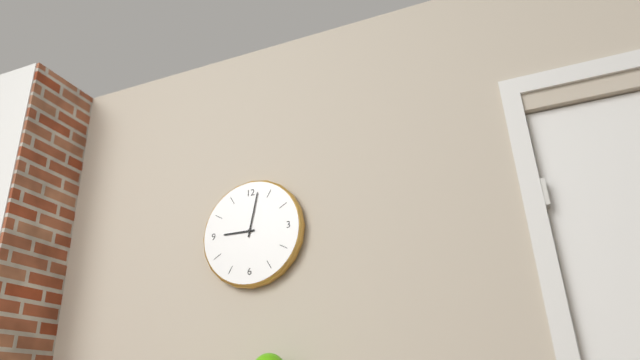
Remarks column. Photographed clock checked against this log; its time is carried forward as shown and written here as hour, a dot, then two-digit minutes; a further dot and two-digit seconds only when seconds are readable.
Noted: 9.02
